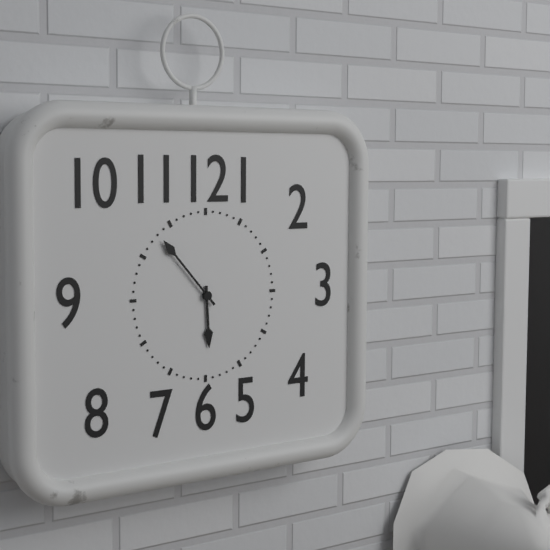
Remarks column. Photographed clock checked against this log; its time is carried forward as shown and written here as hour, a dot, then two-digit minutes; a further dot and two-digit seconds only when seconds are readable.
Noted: 5.53
